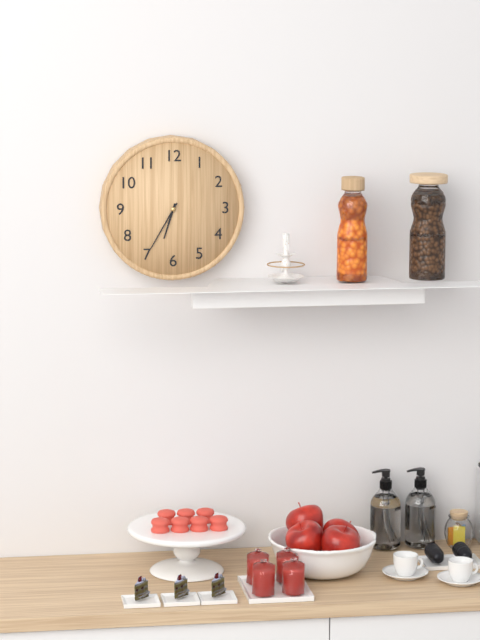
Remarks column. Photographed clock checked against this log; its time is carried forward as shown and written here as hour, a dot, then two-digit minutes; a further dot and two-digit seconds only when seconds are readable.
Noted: 6.35
